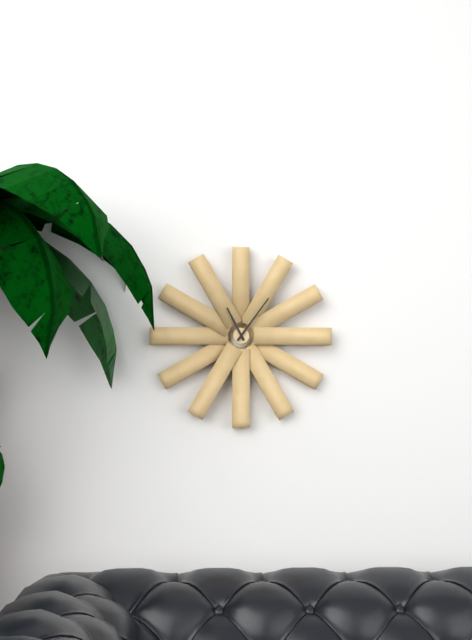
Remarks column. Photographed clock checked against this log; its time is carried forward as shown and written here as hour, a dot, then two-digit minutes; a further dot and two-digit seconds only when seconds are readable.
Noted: 11.06
